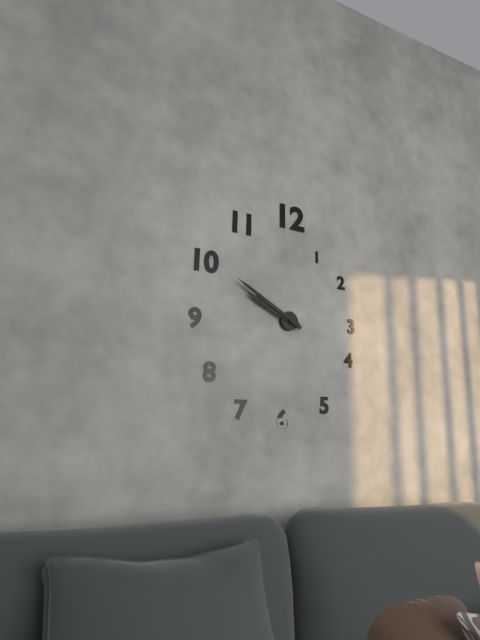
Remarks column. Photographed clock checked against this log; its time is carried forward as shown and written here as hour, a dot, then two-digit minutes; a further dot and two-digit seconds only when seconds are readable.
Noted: 9.50
